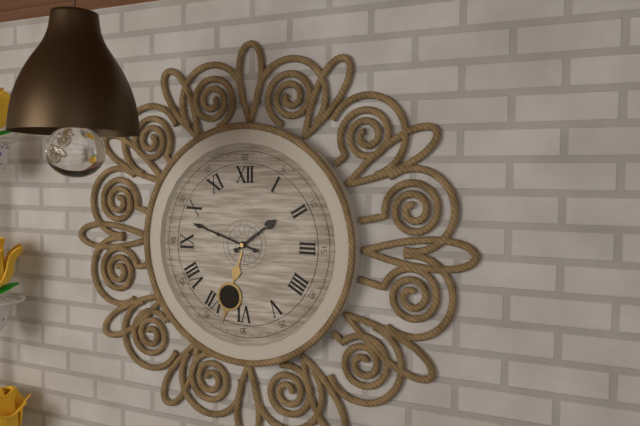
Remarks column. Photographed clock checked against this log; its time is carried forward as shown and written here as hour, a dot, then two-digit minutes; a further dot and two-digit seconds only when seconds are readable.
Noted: 1.48
